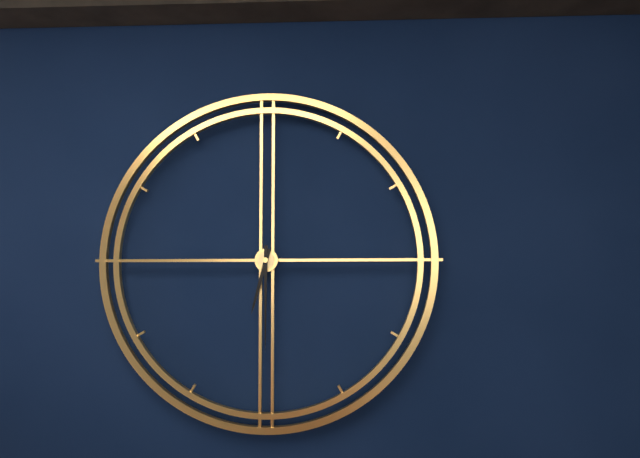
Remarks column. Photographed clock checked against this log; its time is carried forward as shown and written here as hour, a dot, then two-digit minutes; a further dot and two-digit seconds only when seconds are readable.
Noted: 6.30
